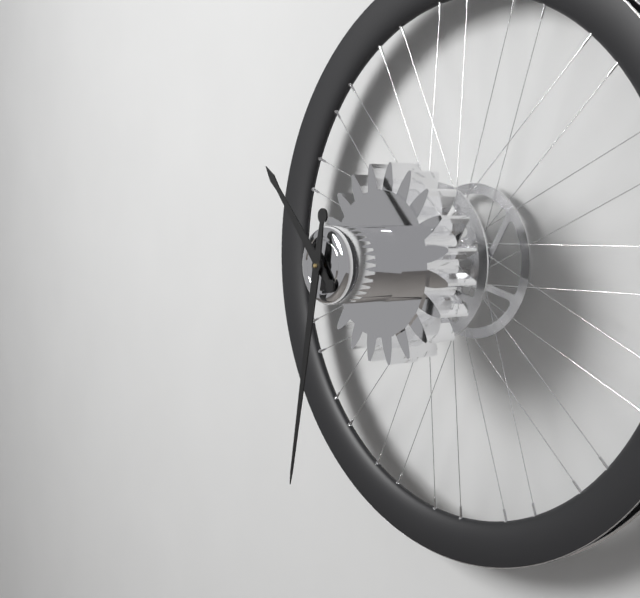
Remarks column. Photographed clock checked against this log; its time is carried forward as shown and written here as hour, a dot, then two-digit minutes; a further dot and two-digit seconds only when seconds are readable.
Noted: 10.32
